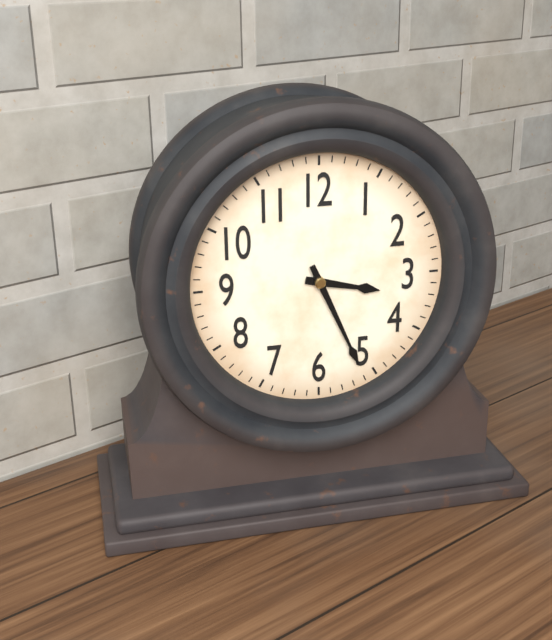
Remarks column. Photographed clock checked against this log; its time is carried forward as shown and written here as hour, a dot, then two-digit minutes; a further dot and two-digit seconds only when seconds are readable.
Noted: 3.26
